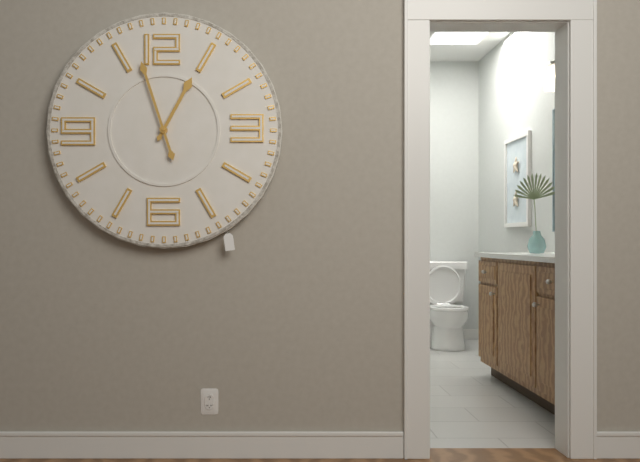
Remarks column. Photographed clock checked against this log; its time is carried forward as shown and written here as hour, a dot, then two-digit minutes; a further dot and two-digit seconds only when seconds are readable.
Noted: 12.57
